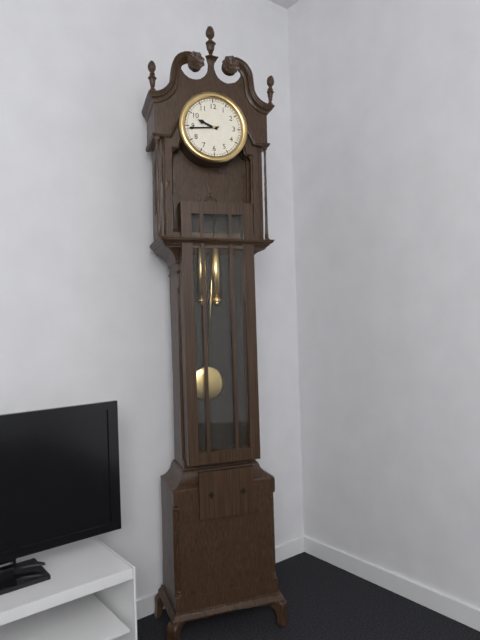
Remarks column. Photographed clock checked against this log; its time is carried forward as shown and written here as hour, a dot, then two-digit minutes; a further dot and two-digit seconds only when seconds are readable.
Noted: 9.44
